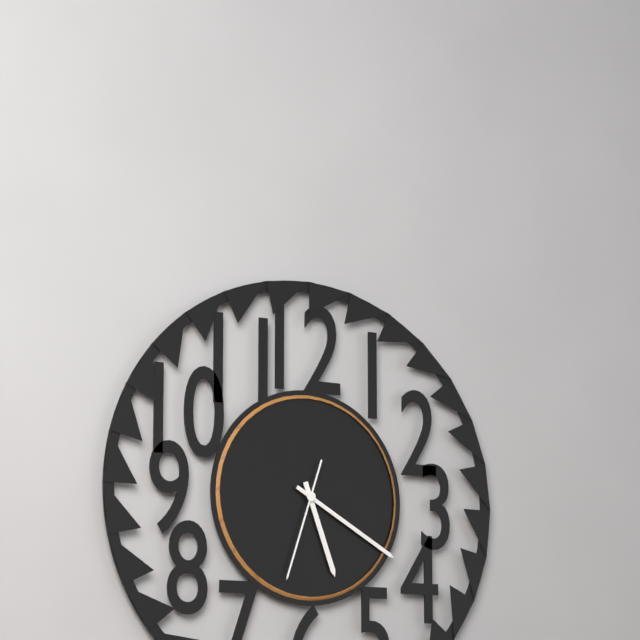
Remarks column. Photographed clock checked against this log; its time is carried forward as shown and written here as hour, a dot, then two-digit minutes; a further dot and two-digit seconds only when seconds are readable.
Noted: 5.20.33
